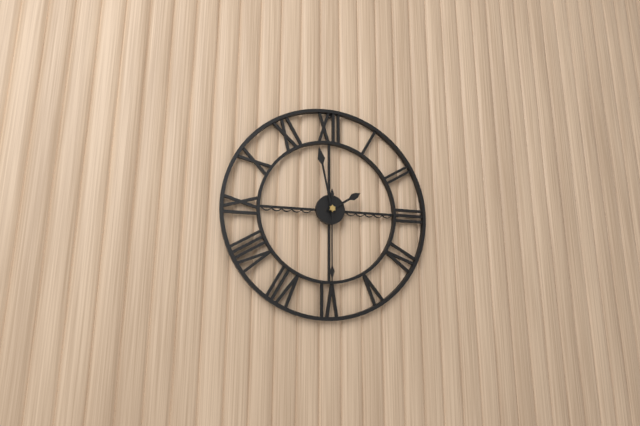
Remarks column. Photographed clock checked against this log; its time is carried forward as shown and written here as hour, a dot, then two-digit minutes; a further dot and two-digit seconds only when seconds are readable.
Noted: 1.58.30
